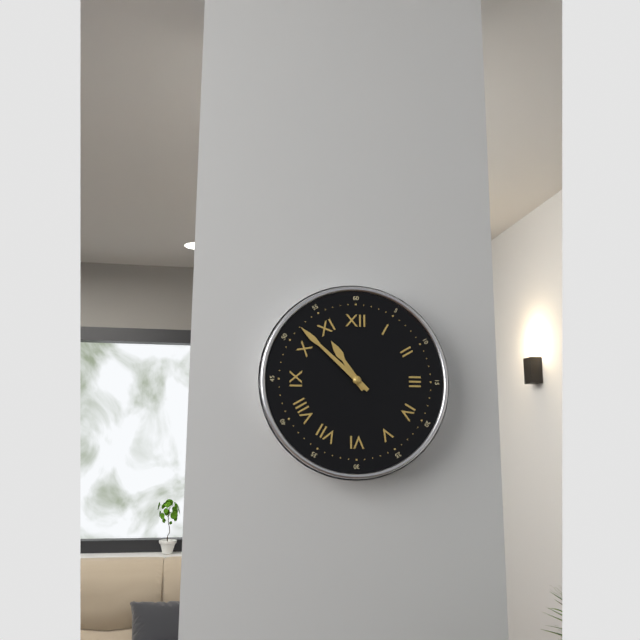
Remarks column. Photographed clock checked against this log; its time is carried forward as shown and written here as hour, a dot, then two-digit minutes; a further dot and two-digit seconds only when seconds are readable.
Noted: 10.52
